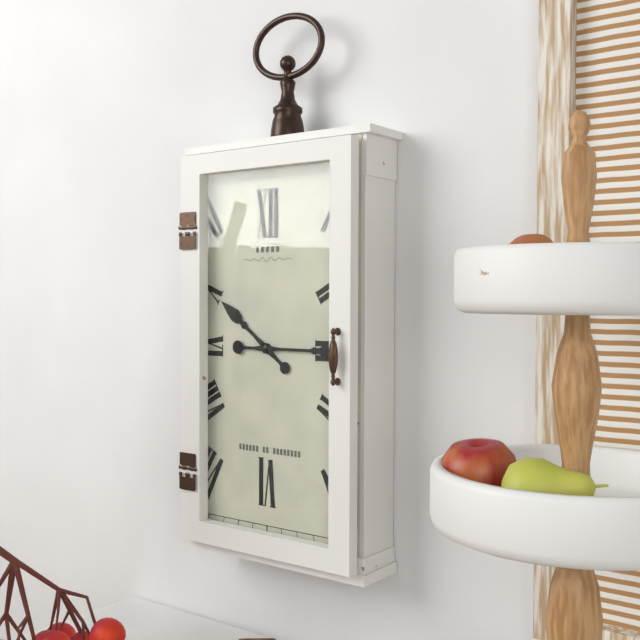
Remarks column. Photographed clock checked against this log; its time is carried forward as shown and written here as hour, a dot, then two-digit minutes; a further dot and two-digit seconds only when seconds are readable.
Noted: 10.15
